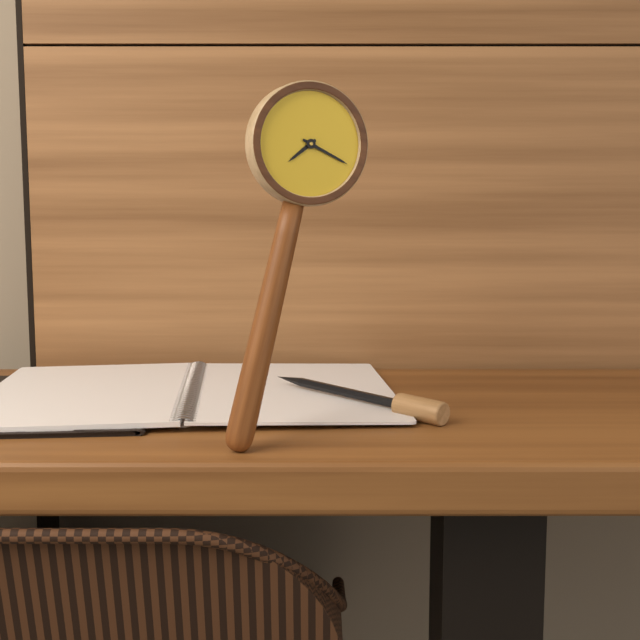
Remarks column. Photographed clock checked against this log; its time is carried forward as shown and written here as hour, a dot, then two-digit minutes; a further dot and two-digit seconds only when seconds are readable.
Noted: 7.17
